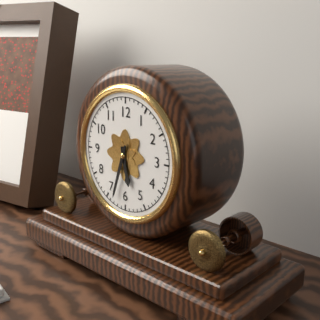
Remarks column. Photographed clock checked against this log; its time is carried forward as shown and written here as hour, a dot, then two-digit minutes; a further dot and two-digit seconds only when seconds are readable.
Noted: 5.33
